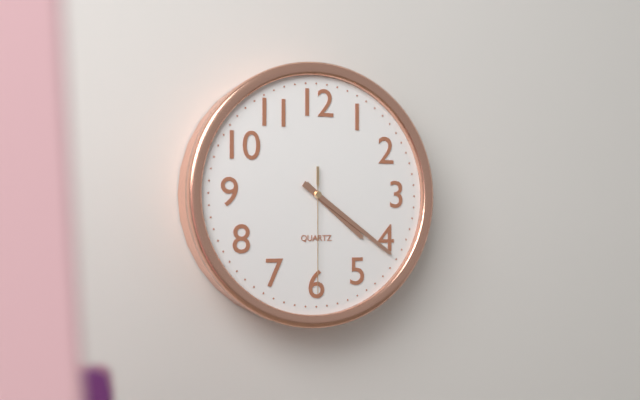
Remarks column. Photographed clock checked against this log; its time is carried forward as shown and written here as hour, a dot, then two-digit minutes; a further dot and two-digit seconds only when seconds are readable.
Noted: 4.21.30
